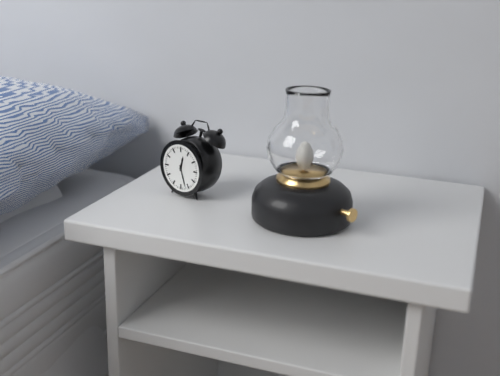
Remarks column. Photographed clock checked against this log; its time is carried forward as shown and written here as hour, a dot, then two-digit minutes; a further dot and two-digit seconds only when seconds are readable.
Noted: 12.27
